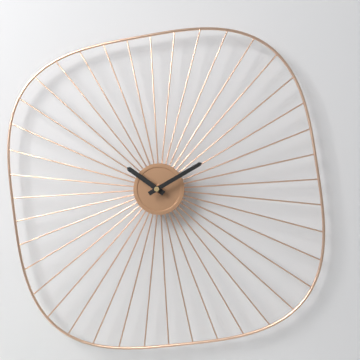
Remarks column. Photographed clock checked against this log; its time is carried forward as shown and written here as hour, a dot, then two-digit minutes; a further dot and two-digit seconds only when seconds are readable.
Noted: 10.10
